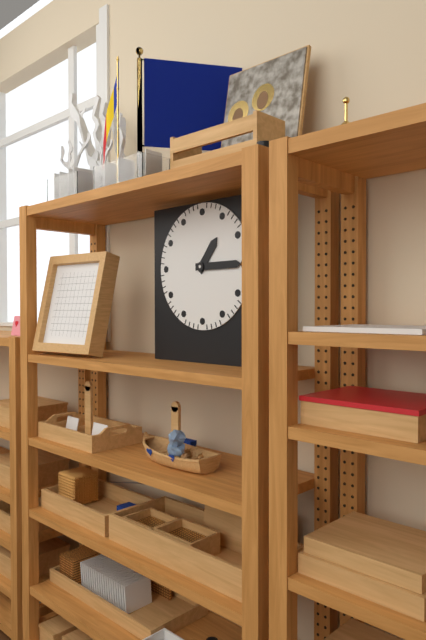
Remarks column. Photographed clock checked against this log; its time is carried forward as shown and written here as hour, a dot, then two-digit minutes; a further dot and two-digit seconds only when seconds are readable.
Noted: 1.15
